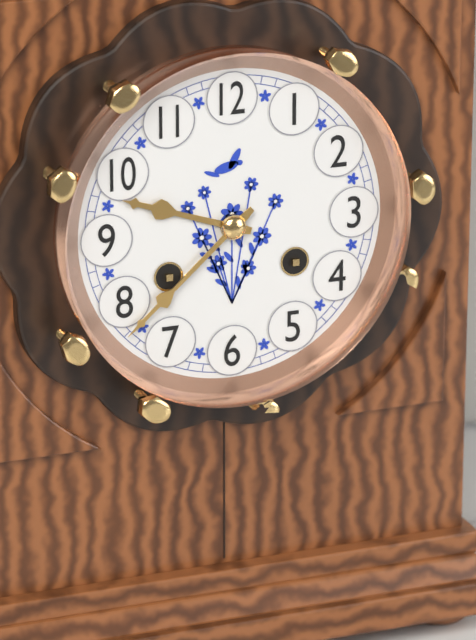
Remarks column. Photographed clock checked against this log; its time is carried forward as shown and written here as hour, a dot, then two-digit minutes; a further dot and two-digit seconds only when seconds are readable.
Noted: 9.38
